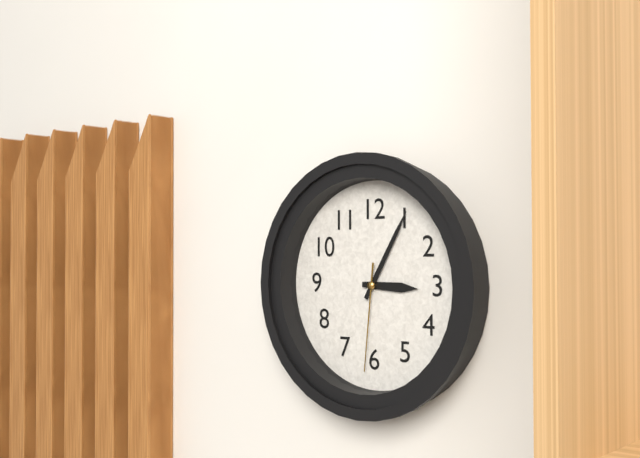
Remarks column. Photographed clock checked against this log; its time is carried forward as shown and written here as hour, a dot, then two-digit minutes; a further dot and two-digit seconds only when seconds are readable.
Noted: 3.05.31
